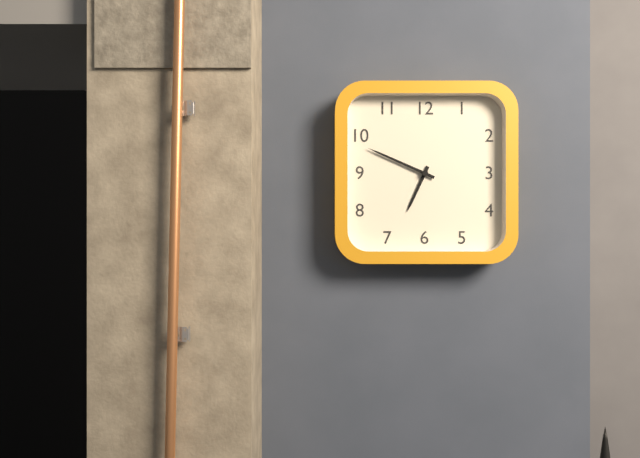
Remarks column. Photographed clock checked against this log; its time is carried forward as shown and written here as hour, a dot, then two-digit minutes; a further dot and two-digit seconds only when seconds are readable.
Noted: 6.49
